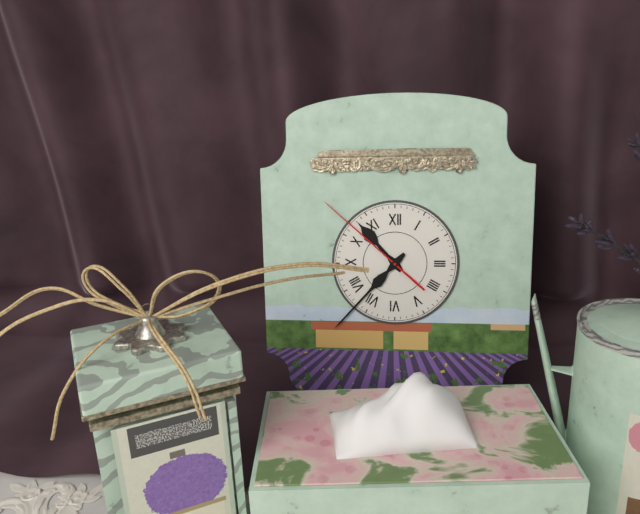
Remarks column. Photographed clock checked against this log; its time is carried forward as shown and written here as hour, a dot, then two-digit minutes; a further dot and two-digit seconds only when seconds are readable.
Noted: 10.37.52
